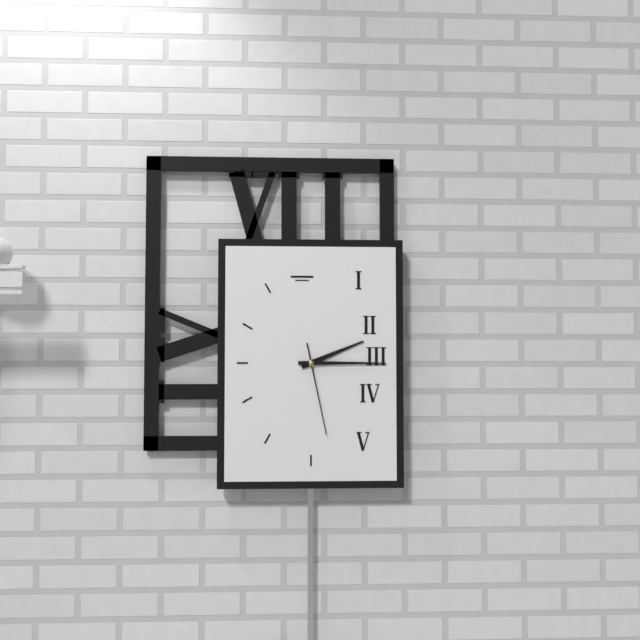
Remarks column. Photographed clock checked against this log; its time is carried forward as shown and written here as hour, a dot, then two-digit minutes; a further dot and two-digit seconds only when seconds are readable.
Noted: 2.15.28
